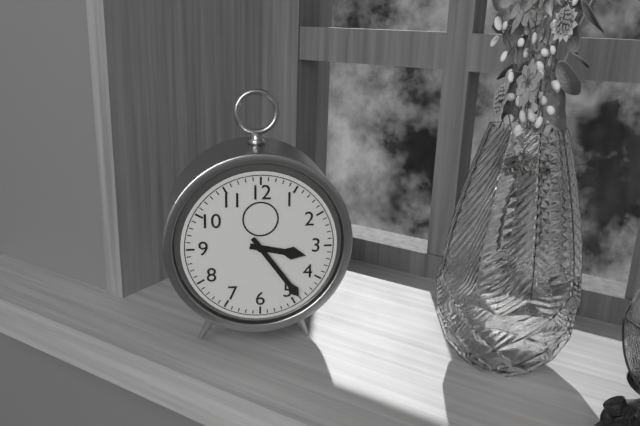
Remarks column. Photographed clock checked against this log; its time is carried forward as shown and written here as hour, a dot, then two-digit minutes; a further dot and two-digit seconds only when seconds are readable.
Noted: 3.24
